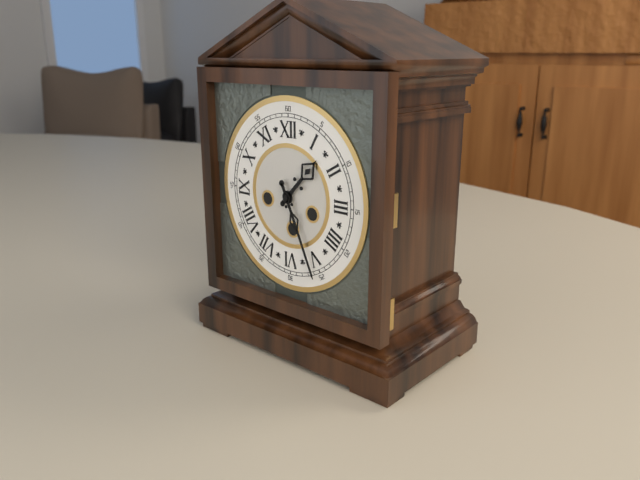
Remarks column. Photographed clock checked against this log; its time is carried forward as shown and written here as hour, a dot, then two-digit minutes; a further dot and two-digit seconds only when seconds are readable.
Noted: 1.26
